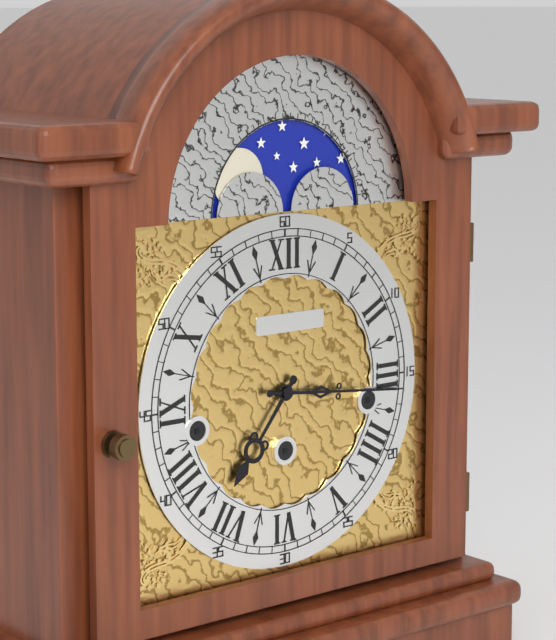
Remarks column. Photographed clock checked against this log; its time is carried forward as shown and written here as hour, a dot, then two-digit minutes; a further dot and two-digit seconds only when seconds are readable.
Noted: 7.16
